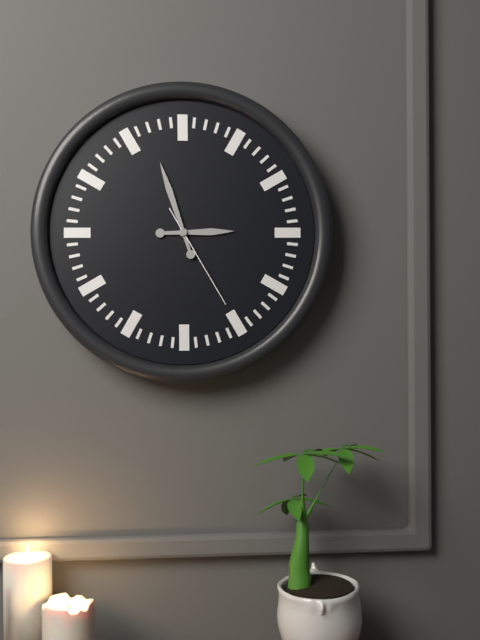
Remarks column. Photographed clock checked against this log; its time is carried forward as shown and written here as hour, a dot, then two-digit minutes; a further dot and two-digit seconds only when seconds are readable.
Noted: 2.57.25
